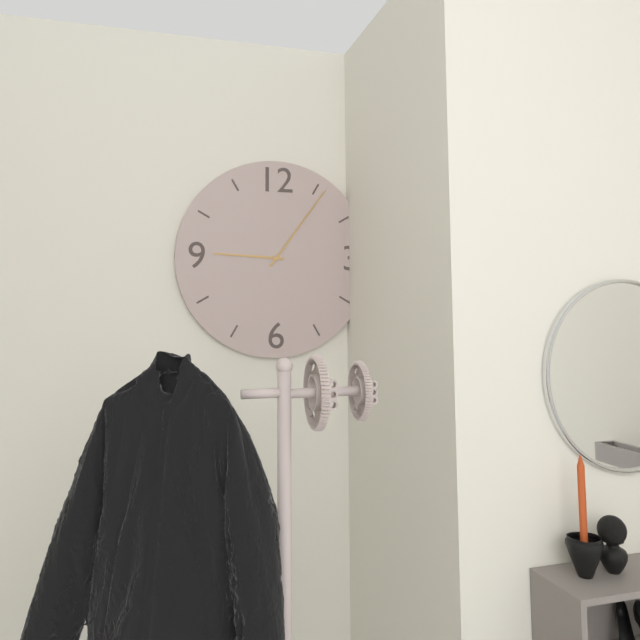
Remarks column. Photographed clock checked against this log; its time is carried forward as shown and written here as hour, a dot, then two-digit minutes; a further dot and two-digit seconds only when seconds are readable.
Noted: 9.06
